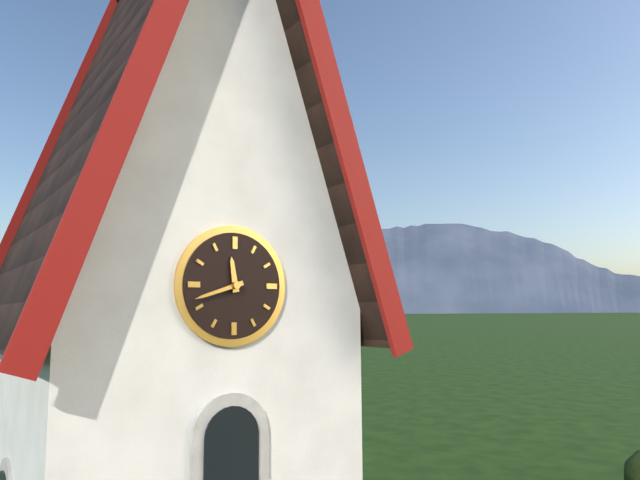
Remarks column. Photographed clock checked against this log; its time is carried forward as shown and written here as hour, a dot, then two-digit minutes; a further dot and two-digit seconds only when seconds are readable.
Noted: 11.42
